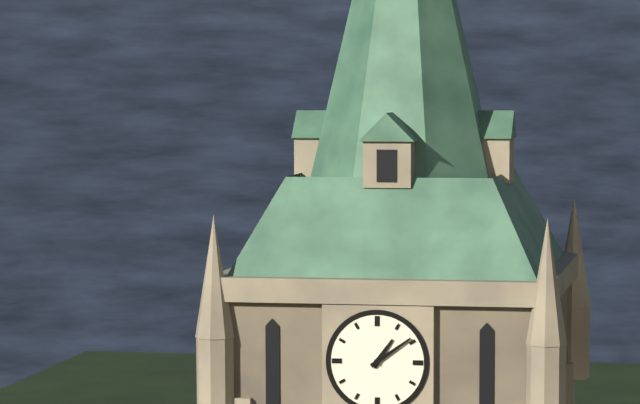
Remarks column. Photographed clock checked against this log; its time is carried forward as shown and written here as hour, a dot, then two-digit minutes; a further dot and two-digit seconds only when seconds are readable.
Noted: 1.09
